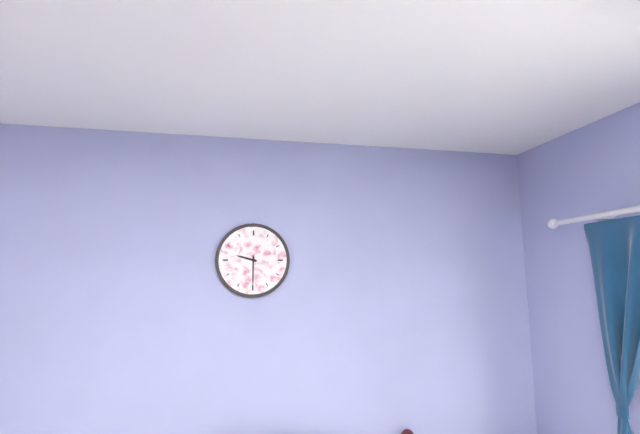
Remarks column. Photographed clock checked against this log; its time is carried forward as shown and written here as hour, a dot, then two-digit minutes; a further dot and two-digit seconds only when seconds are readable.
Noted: 9.30
